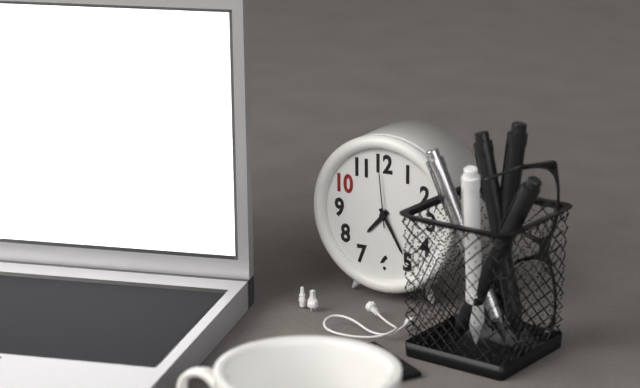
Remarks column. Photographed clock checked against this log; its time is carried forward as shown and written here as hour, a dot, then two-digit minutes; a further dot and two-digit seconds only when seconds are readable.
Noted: 7.25.59
